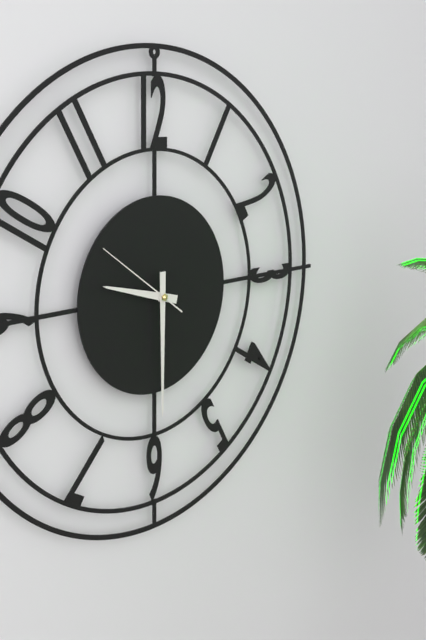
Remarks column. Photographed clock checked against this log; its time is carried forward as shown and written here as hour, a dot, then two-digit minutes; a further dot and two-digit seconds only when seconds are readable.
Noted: 9.30.51
